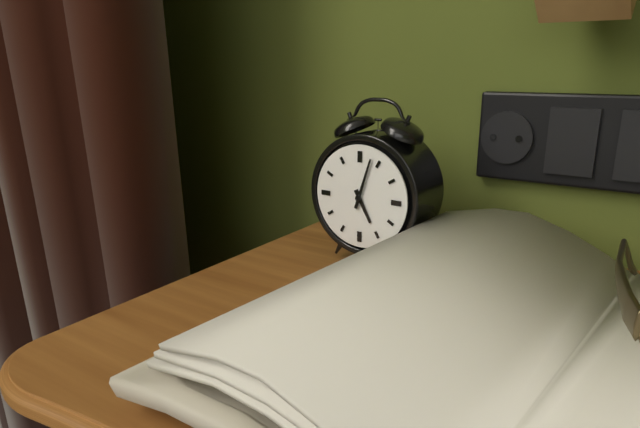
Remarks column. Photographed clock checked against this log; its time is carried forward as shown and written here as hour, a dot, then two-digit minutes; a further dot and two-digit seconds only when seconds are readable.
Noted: 5.03
